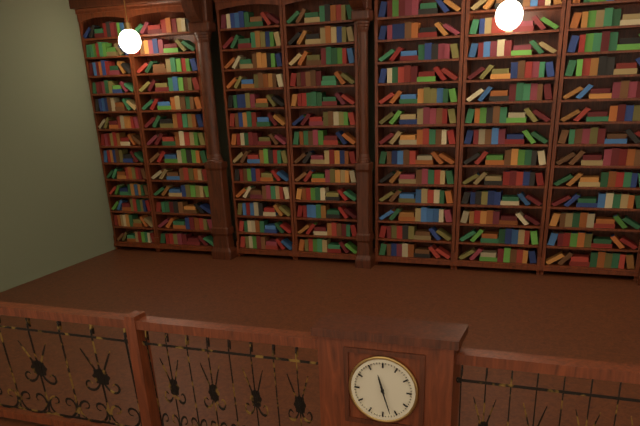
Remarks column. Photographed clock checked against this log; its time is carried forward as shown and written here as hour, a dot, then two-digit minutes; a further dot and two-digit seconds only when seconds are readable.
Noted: 11.27
